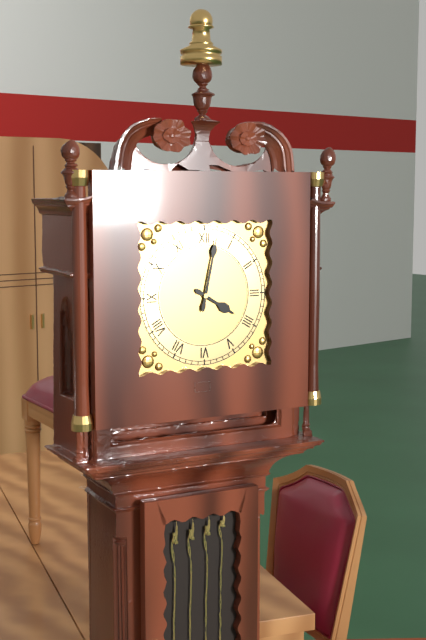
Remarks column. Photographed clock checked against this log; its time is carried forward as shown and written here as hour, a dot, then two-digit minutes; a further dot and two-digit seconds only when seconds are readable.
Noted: 4.02
